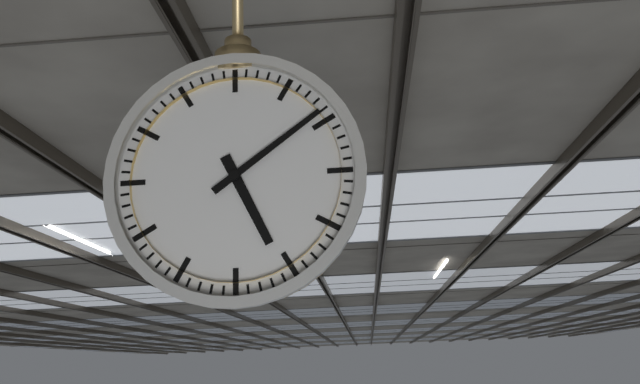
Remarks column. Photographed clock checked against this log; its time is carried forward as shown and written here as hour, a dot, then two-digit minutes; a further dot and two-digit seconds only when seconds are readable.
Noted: 5.09
